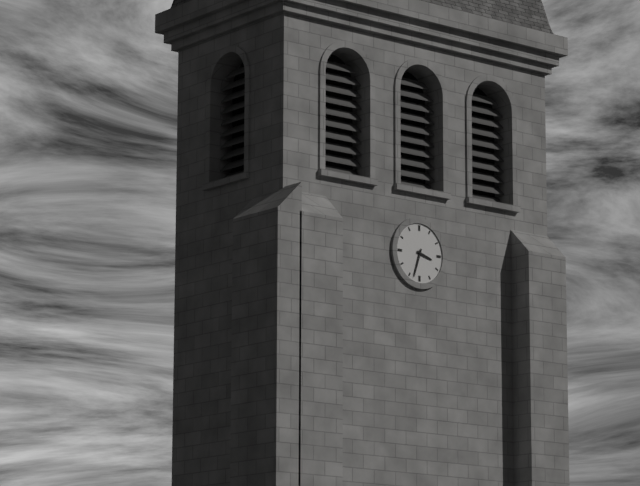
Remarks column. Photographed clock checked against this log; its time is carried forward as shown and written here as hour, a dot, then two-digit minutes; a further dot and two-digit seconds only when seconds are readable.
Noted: 3.33
